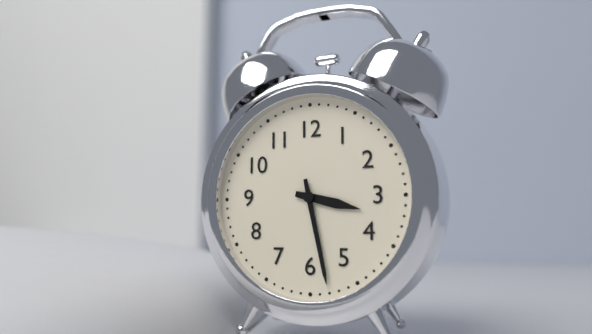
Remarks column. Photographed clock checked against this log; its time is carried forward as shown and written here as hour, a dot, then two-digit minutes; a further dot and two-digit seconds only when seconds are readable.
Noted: 3.28
